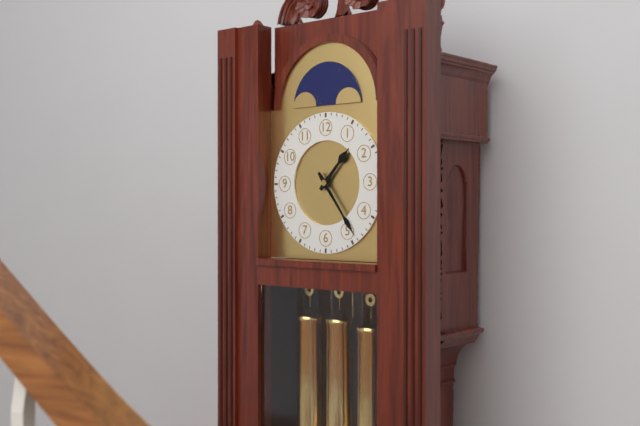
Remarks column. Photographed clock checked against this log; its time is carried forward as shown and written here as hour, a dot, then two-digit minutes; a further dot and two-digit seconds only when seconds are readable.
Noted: 1.24
